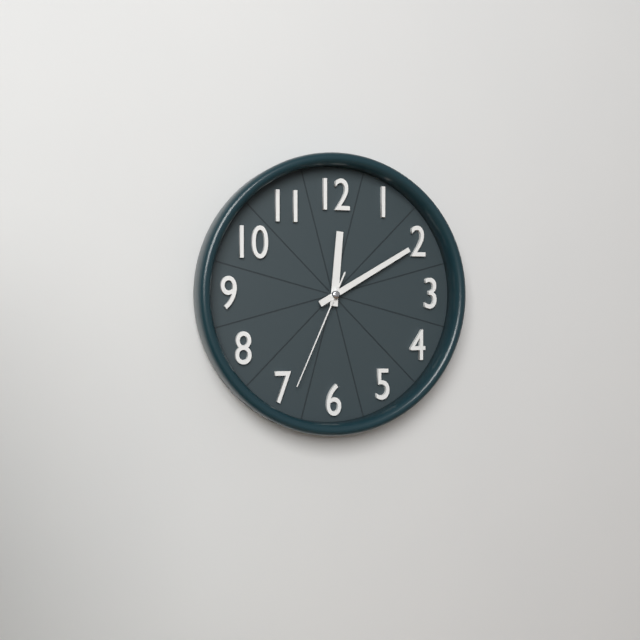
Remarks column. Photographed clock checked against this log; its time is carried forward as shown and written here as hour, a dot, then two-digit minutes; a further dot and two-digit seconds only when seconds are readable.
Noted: 12.10.34
